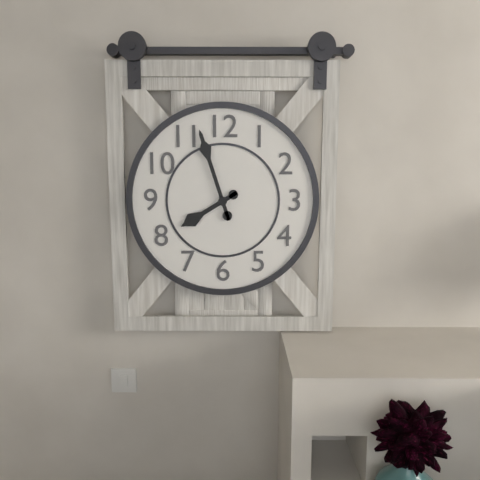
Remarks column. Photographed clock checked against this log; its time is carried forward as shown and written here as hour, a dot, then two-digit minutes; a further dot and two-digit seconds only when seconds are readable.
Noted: 7.57
